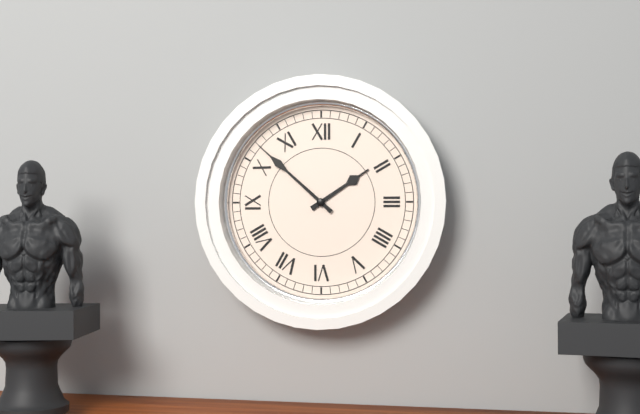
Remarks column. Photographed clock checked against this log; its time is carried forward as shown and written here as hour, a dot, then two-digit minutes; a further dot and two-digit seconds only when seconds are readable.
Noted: 1.52
